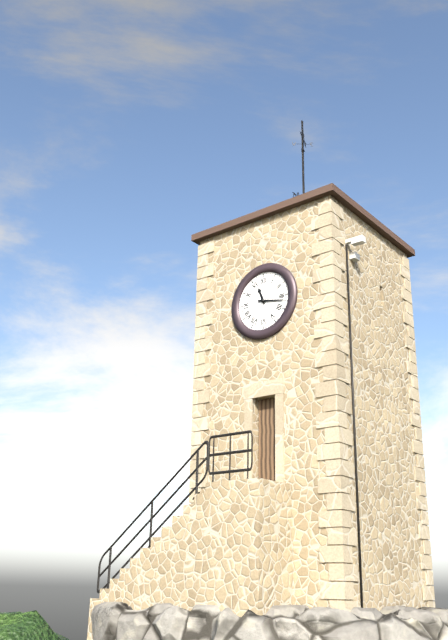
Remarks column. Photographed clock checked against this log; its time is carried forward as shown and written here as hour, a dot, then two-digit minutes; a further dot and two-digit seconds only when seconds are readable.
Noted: 11.17
